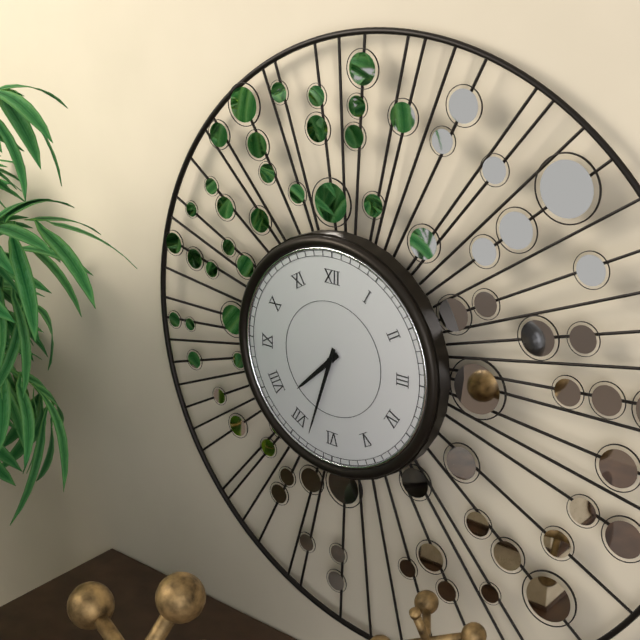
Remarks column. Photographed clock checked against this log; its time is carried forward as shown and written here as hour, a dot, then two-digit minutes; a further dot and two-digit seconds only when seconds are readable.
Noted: 7.33
